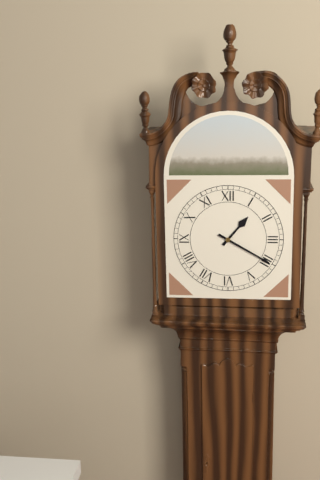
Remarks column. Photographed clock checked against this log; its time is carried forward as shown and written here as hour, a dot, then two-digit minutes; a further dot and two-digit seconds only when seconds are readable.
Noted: 1.20
